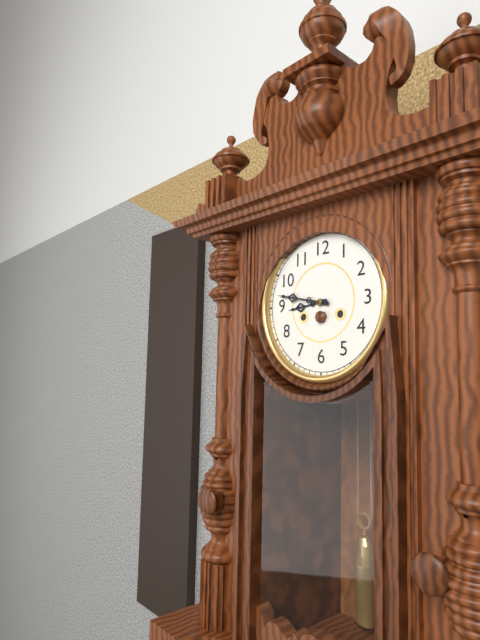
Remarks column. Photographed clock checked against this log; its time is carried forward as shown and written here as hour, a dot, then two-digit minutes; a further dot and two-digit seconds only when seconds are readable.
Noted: 8.47
